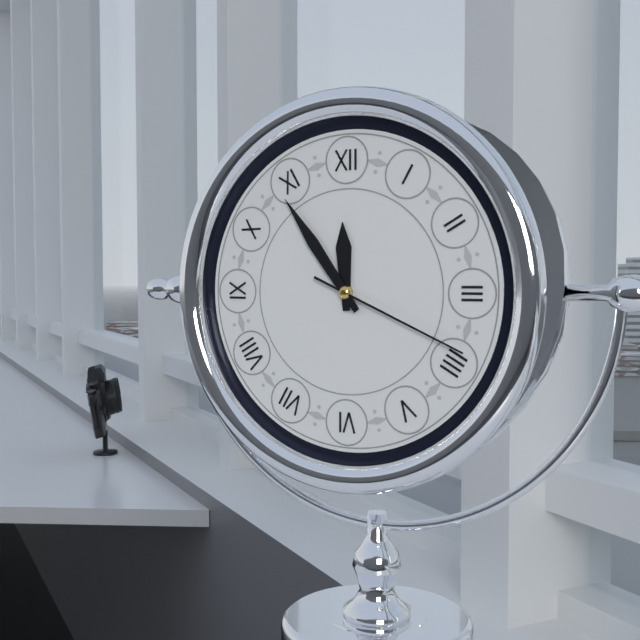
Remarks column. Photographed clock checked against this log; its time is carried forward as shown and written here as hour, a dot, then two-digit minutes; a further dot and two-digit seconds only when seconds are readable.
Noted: 11.54.19
